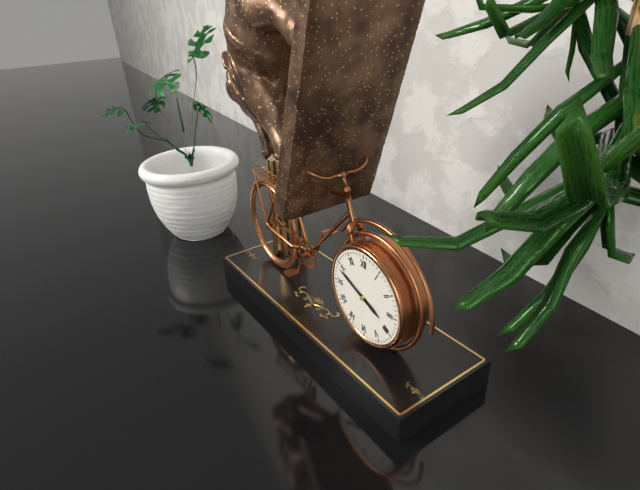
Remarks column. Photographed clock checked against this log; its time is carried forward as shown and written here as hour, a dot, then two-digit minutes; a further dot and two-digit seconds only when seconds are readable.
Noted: 3.49
